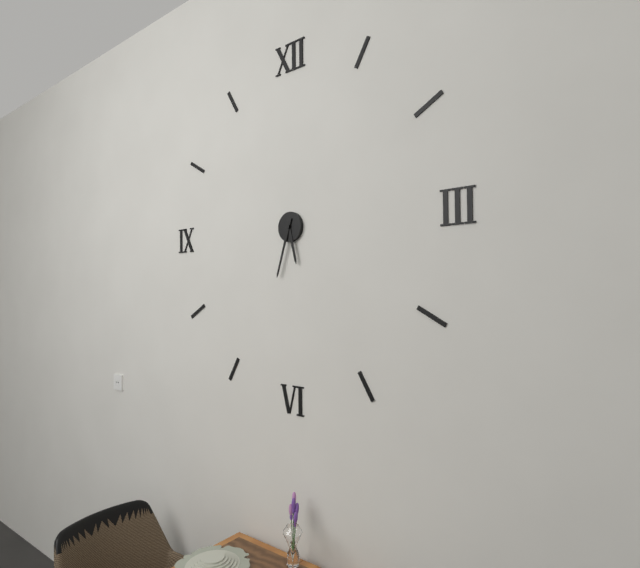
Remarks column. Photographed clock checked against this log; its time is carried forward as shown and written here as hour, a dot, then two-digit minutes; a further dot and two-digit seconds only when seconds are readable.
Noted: 5.33
